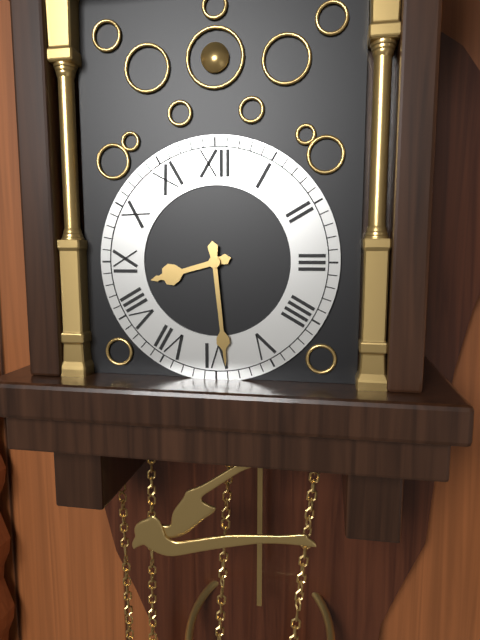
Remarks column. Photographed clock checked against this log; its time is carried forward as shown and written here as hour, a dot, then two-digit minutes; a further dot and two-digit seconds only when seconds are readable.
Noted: 8.29
